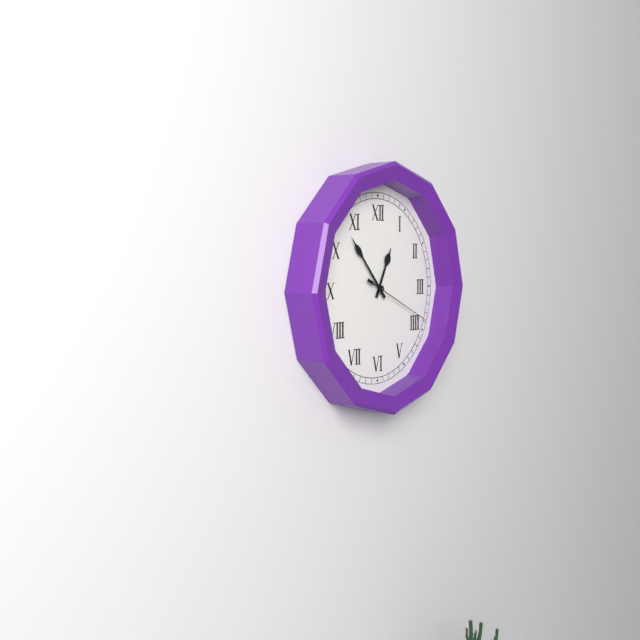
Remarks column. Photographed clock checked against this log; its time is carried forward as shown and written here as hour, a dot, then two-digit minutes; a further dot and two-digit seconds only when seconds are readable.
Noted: 12.53.19
